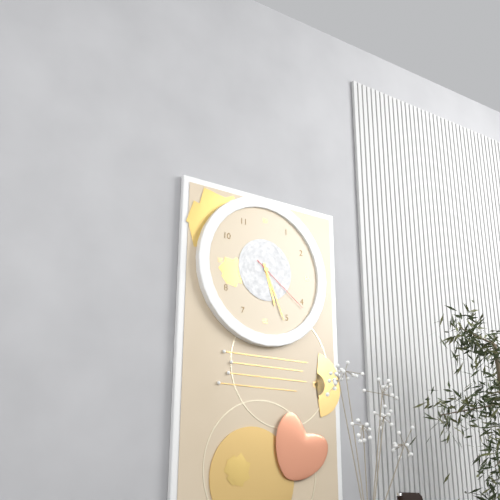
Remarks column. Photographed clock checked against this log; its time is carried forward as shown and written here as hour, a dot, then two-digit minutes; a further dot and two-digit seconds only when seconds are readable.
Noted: 5.26.21
